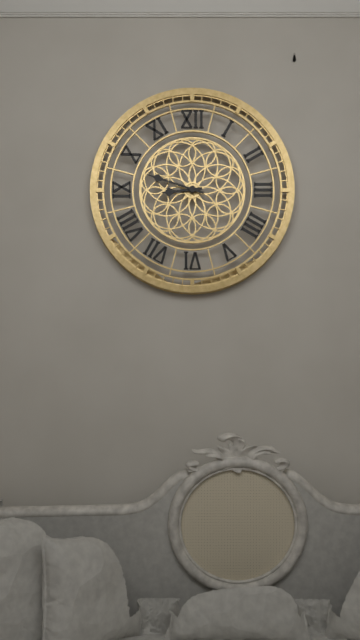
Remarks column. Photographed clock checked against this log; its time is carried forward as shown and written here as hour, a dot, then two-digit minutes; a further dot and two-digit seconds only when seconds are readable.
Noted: 8.48
